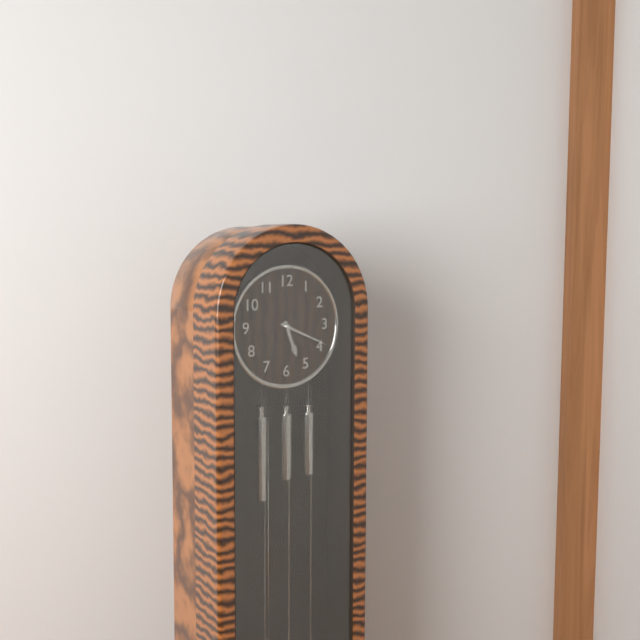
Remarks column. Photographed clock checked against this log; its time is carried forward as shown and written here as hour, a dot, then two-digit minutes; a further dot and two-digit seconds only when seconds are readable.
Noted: 5.19
